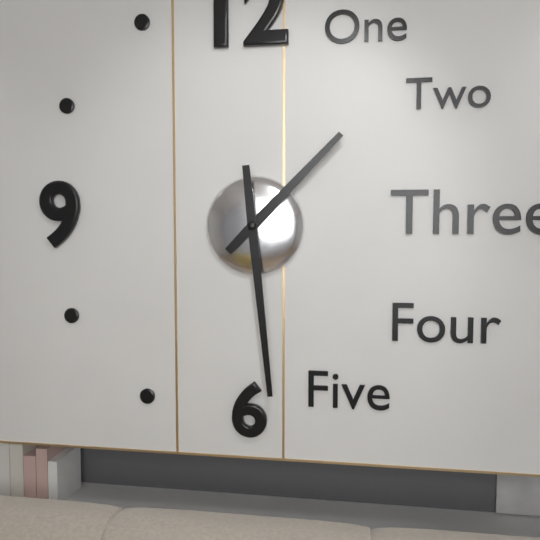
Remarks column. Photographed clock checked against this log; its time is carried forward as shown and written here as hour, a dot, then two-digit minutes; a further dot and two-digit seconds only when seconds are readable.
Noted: 1.29
